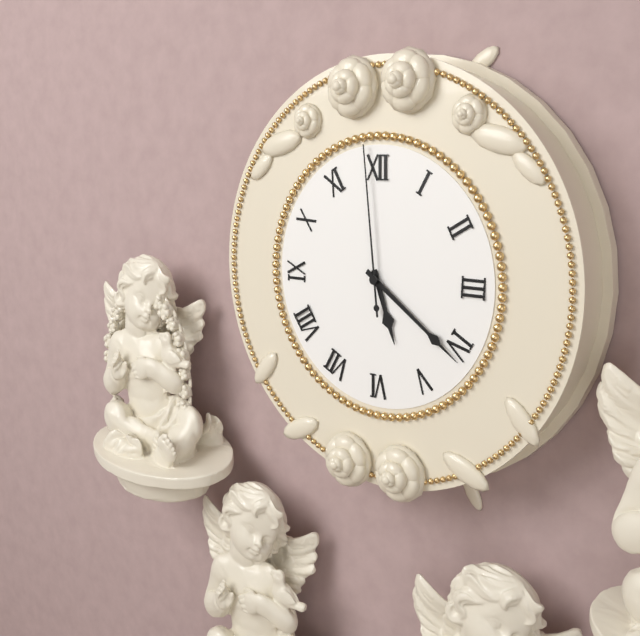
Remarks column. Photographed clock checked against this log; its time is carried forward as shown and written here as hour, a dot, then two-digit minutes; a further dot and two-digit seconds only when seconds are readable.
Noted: 5.21.59
